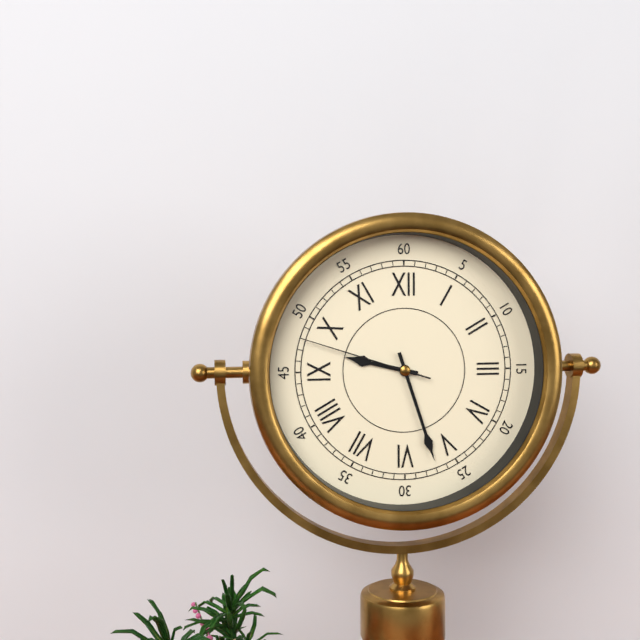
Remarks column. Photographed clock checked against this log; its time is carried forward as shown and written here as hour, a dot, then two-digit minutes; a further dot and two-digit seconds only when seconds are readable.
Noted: 9.27.48
